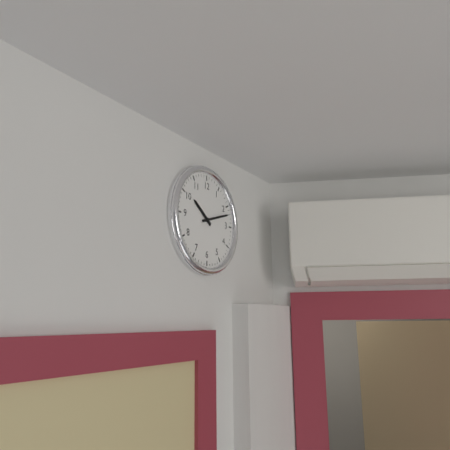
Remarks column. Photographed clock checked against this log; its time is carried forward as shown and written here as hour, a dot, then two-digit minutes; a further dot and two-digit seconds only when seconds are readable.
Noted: 10.12
